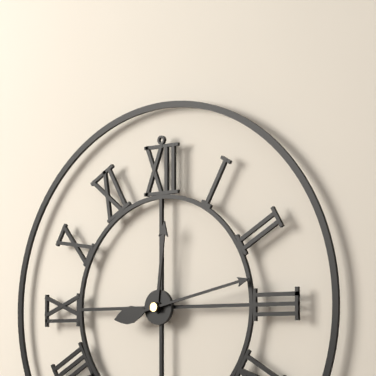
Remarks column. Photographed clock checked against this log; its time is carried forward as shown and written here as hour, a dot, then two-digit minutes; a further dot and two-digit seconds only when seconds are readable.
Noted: 12.13
